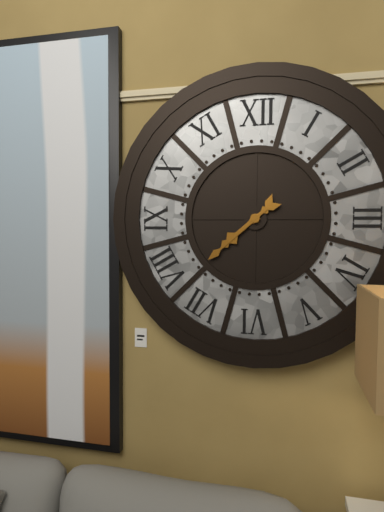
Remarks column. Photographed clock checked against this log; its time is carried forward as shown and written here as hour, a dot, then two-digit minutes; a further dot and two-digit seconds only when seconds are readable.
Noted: 7.38
